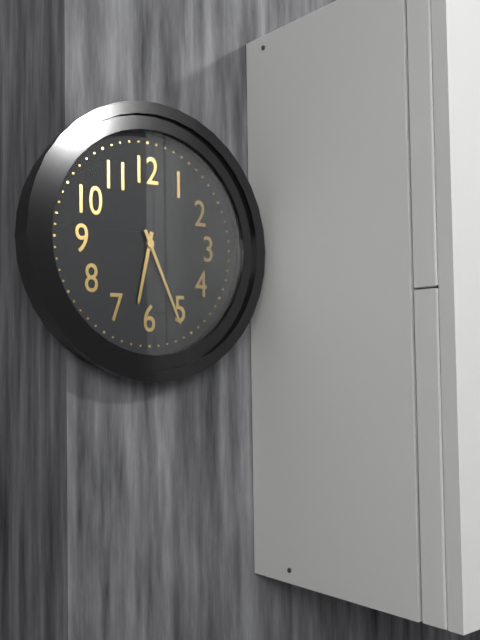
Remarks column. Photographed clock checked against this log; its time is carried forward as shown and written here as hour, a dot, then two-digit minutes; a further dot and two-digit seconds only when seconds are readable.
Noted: 6.26
